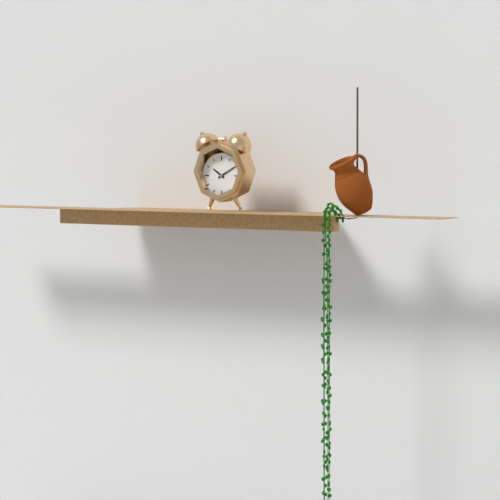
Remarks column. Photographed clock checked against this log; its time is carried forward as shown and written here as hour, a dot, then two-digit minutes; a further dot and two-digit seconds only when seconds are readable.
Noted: 10.10
